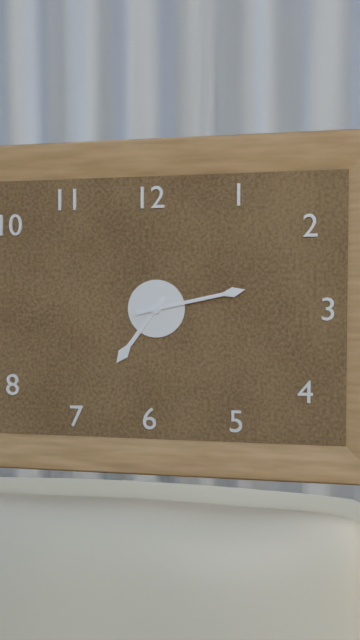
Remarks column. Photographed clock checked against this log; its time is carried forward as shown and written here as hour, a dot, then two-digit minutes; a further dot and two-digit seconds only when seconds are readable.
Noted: 7.13
